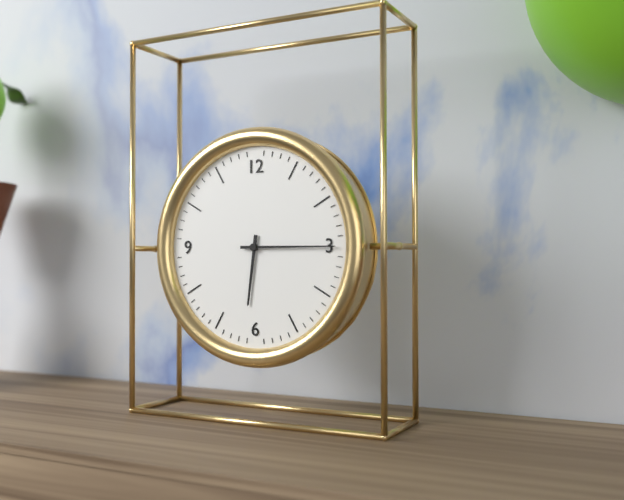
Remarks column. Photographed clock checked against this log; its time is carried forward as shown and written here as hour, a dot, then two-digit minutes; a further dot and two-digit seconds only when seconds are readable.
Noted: 6.15
